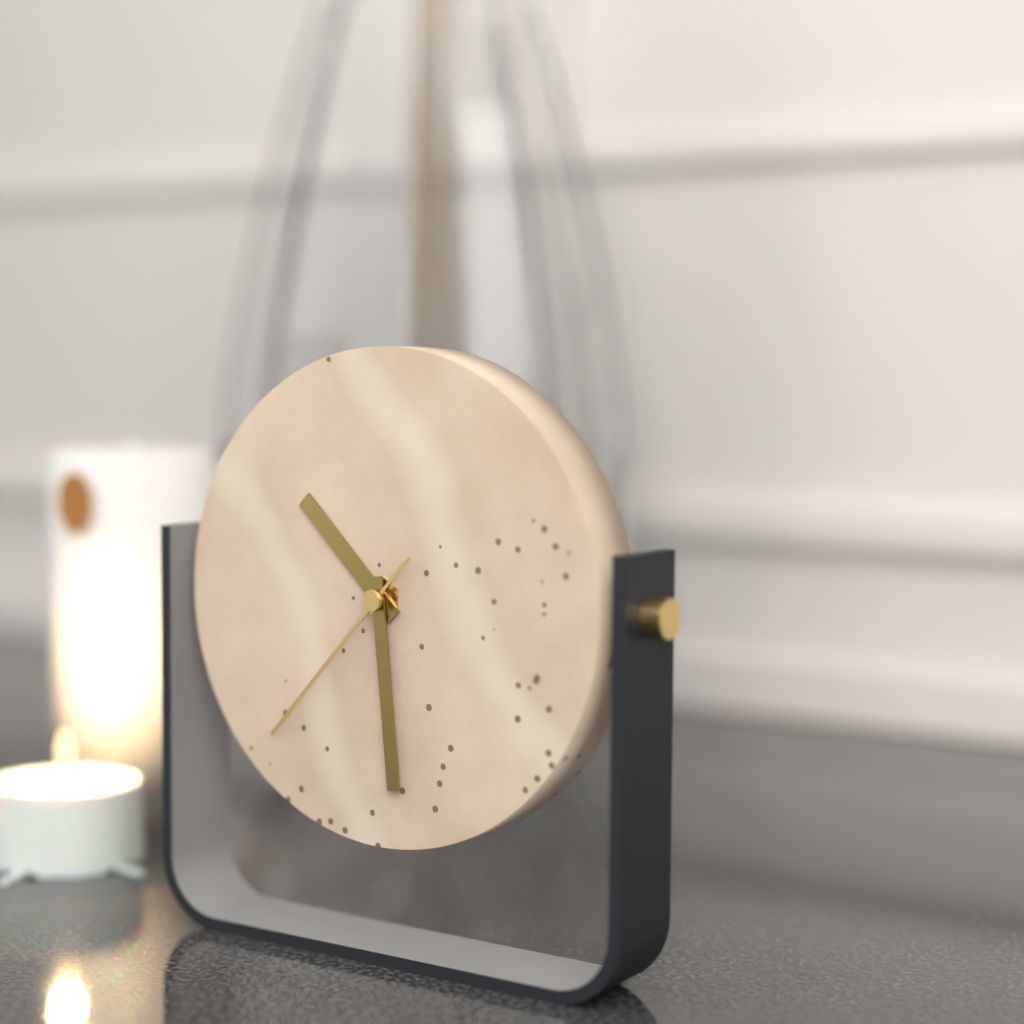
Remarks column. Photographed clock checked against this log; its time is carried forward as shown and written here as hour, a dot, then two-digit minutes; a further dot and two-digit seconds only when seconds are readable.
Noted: 10.29.37
